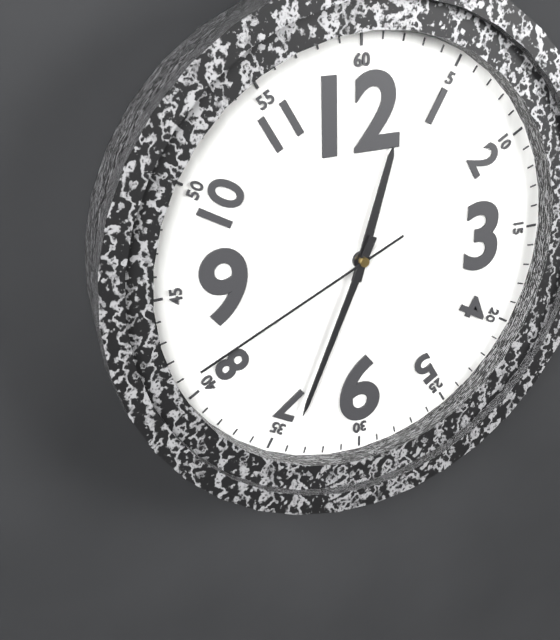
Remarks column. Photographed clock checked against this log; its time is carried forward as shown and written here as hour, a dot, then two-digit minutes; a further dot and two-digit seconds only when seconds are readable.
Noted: 12.34.41
